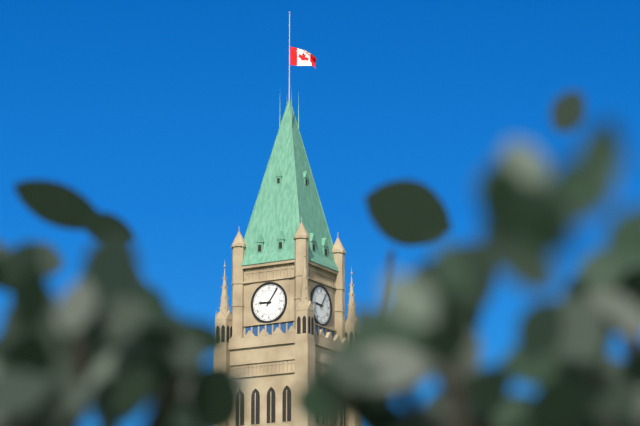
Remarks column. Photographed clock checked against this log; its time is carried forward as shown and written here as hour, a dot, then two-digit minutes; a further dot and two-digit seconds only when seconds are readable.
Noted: 9.06
